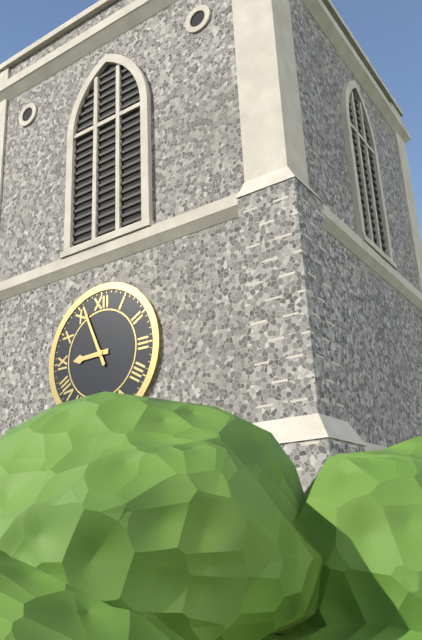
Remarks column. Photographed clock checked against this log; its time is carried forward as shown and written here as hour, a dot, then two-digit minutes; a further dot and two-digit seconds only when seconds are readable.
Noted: 8.56
